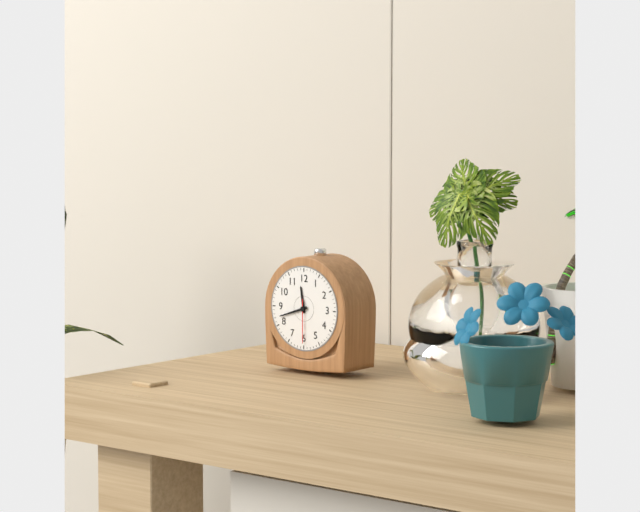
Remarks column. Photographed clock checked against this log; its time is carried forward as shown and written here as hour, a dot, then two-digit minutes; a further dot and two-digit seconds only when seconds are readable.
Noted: 11.42
